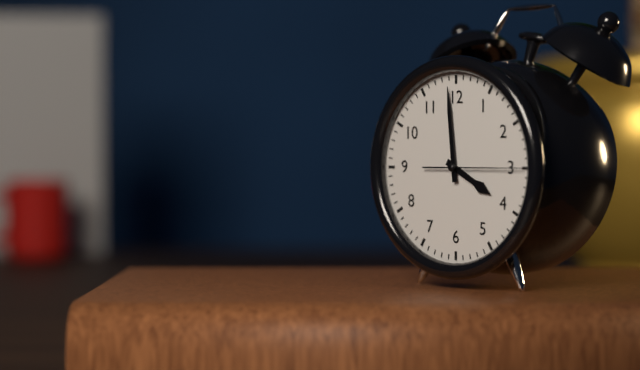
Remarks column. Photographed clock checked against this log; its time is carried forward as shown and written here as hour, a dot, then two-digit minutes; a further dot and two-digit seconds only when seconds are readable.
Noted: 3.59.15
